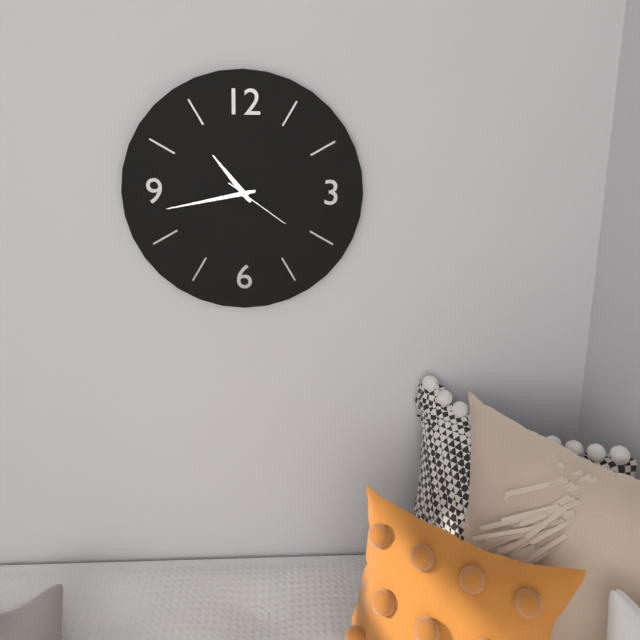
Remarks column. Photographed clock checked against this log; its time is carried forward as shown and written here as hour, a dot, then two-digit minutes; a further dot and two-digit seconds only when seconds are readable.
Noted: 10.43.21
